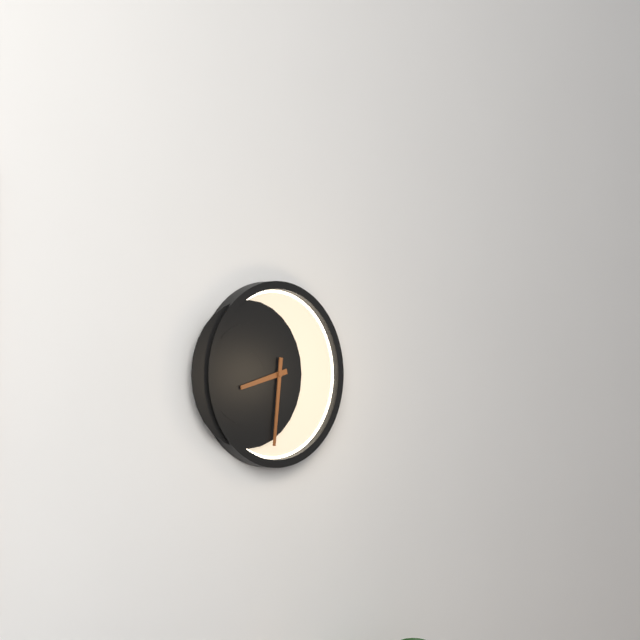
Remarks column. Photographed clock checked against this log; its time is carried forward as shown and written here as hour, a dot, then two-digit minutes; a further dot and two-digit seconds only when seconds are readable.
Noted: 8.31
